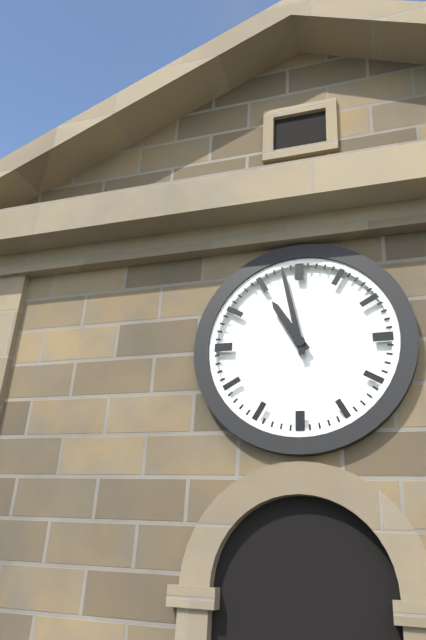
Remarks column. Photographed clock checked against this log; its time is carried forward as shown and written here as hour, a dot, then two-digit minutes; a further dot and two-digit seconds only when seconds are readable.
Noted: 10.58
